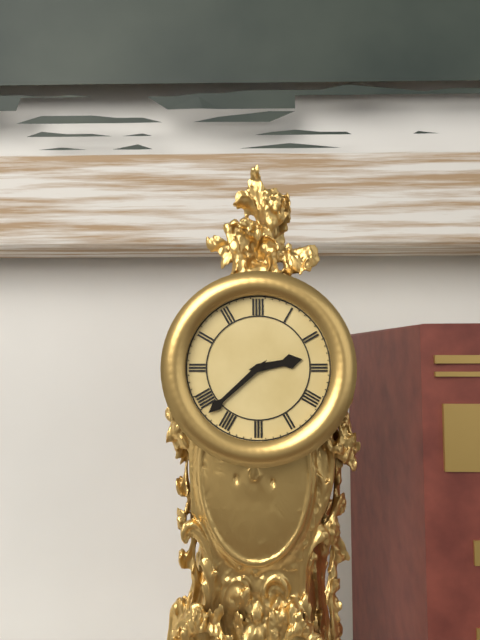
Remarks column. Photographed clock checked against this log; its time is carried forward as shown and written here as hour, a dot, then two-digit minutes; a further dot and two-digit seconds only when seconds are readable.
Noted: 2.38
